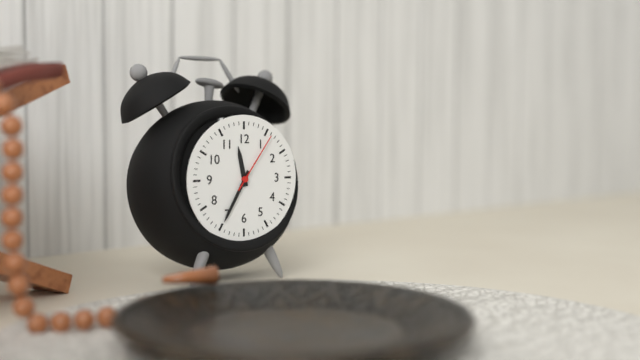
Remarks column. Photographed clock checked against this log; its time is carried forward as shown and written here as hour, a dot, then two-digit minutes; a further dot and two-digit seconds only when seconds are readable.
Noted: 11.35.06
